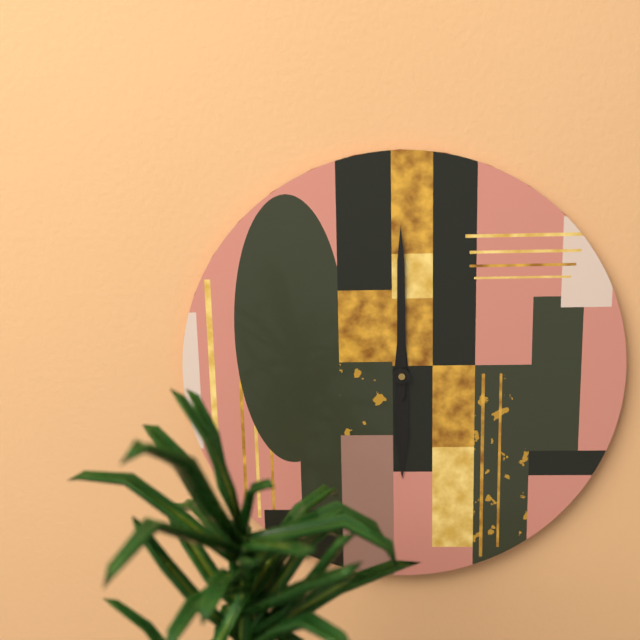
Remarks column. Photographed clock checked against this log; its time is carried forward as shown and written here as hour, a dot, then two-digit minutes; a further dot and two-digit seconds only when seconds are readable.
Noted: 6.00
